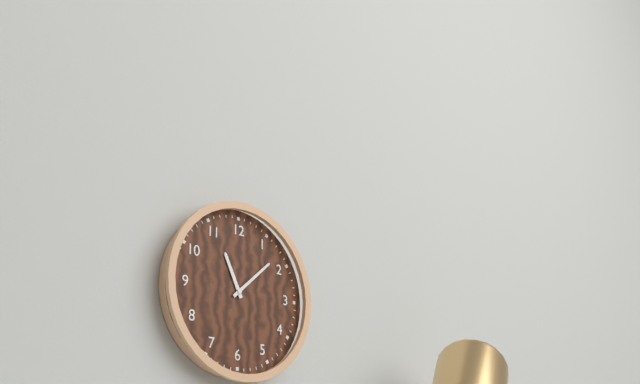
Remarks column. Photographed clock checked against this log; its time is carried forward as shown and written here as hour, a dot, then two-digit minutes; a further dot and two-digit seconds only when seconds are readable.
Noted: 11.08
